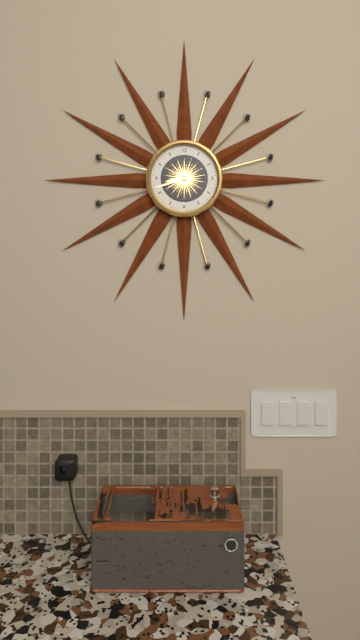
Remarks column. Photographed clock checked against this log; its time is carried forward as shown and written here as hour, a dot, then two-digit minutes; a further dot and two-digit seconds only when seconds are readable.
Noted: 8.42
